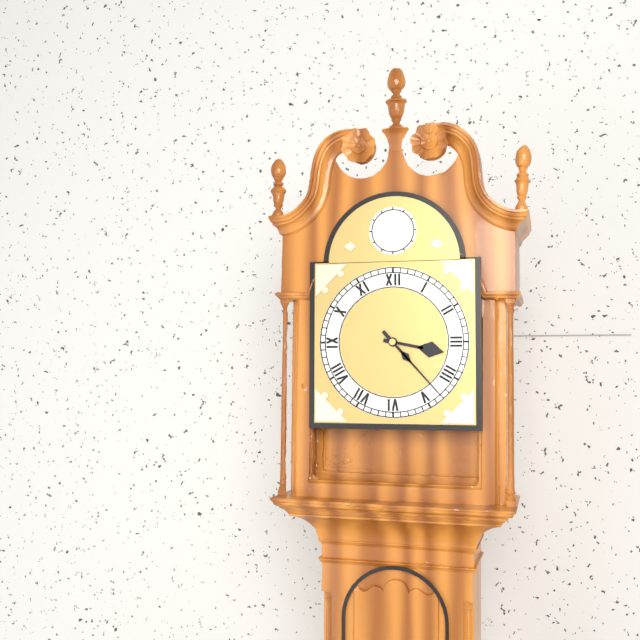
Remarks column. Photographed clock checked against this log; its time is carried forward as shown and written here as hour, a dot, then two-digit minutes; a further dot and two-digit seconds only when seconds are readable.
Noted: 3.23
